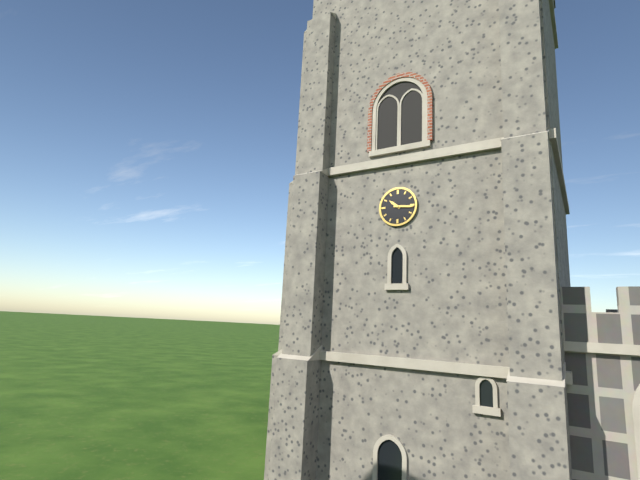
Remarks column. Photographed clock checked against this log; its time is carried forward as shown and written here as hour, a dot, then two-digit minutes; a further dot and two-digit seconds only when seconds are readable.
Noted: 10.16
